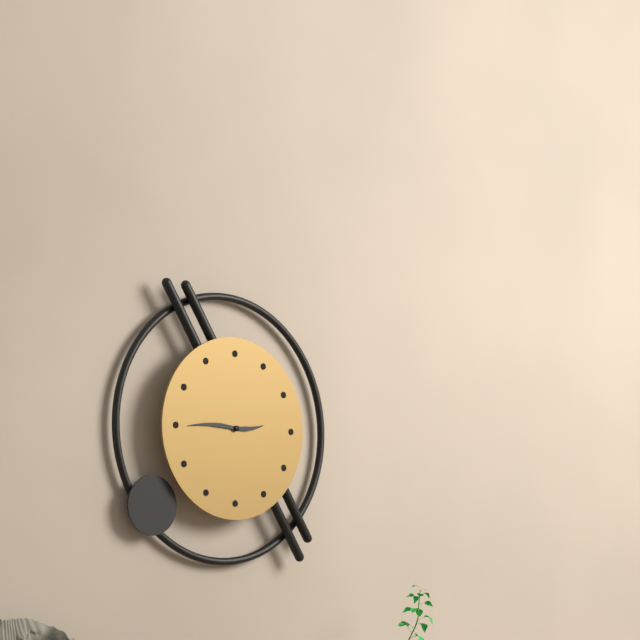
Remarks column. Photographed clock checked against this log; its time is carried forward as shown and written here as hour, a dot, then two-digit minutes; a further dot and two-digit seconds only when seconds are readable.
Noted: 2.45
